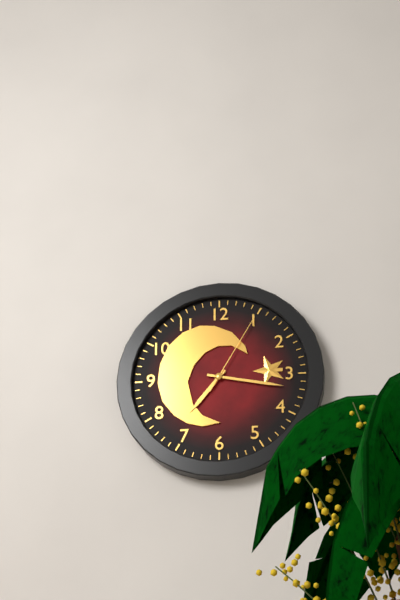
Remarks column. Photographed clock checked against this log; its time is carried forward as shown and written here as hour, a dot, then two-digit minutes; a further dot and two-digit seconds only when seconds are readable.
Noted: 7.17.05
